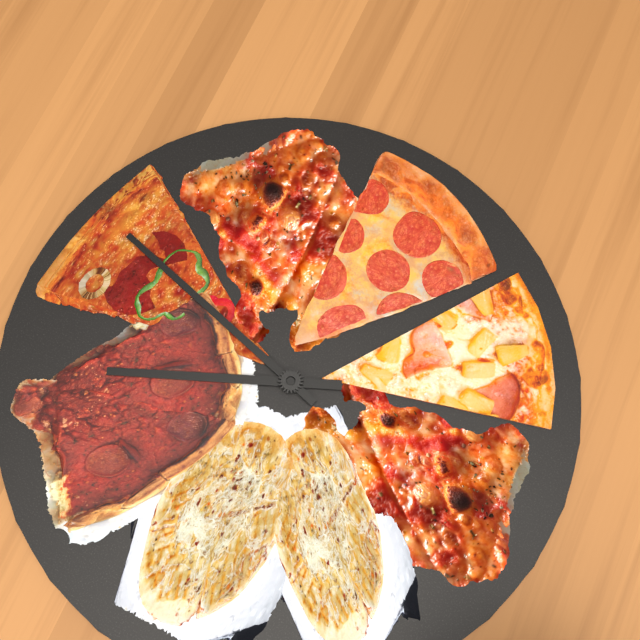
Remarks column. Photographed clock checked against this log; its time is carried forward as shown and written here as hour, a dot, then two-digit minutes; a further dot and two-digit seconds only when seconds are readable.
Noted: 2.18
